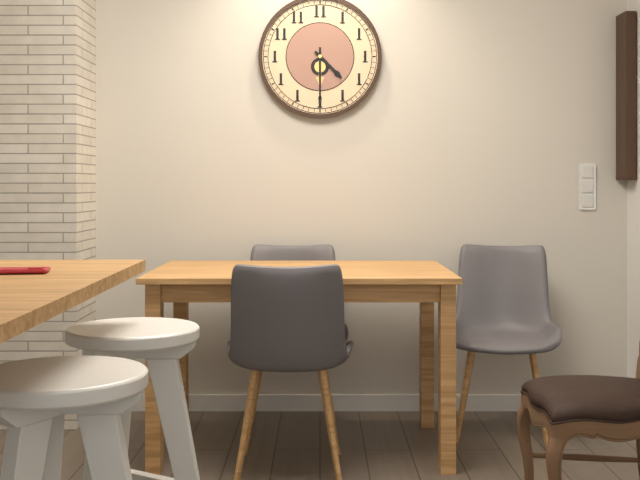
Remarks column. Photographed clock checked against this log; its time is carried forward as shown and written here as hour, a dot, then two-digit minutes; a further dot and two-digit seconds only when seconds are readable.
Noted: 4.30
